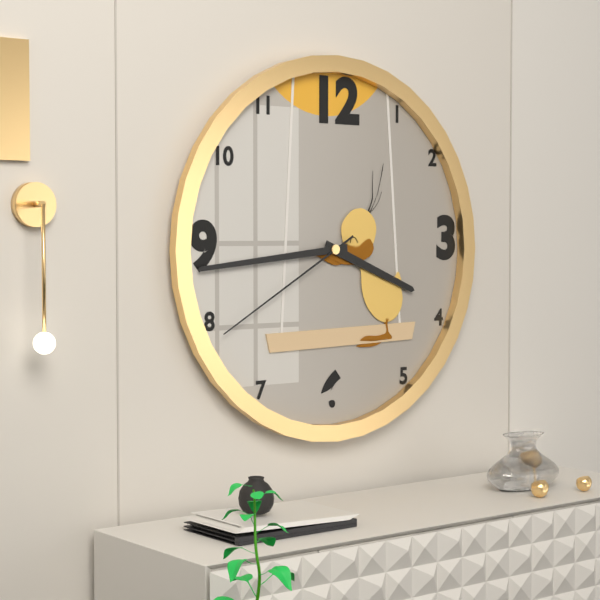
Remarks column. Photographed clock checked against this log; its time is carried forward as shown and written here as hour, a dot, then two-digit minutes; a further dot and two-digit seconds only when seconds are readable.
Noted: 3.44.40
